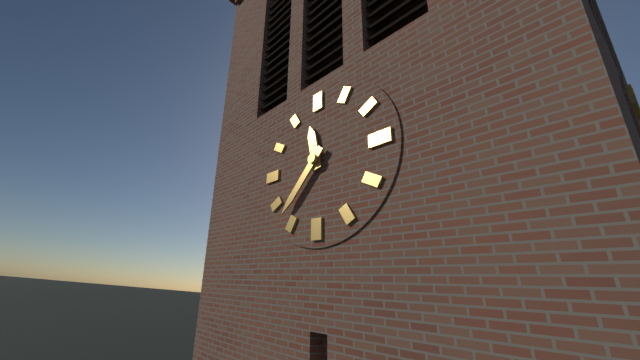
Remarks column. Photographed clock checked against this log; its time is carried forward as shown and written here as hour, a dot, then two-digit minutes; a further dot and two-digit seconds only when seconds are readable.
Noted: 11.37
